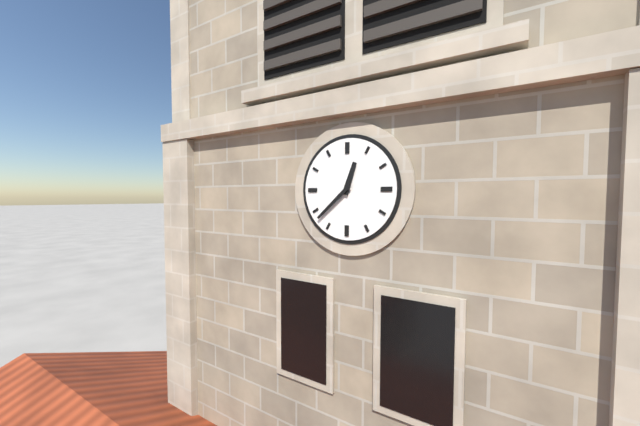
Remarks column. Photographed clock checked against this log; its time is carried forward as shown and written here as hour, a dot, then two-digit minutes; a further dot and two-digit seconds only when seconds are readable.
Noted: 12.38
